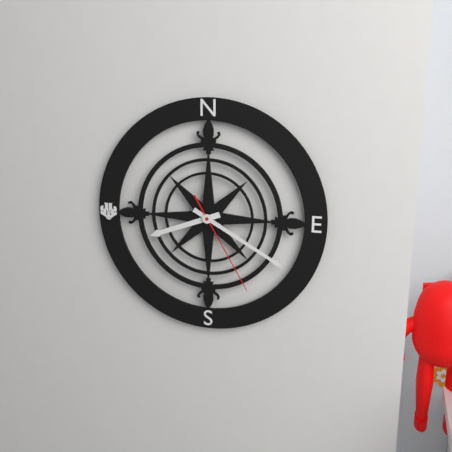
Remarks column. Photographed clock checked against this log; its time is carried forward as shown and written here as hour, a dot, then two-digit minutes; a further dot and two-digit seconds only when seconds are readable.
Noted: 8.20.25
